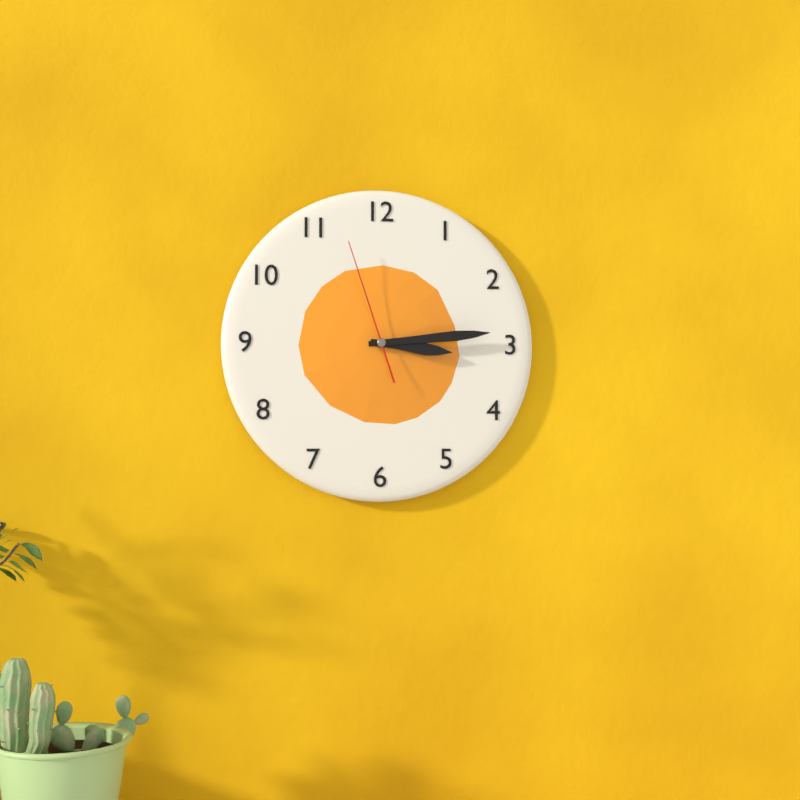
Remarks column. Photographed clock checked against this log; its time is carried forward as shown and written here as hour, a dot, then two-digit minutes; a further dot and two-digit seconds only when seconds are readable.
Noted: 3.14.57
